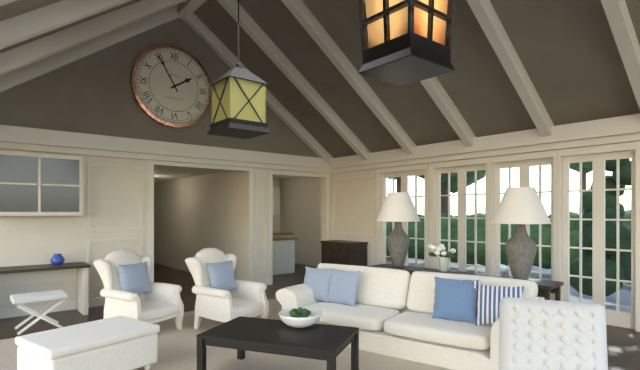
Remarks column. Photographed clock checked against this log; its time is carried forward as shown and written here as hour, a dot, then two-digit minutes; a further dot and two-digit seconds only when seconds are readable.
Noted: 1.55
